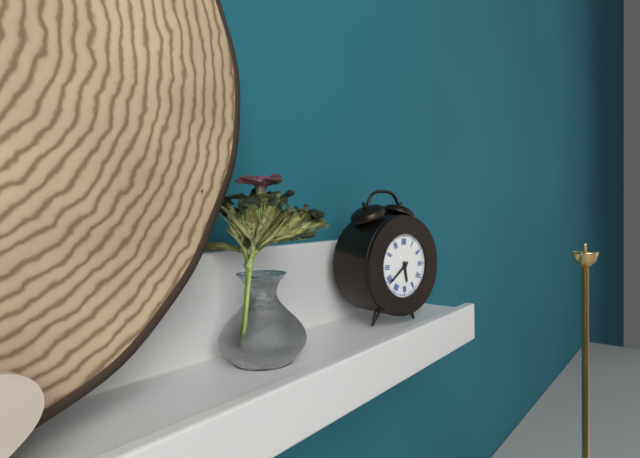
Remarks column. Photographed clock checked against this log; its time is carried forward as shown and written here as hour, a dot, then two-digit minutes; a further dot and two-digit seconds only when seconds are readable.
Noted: 5.39
